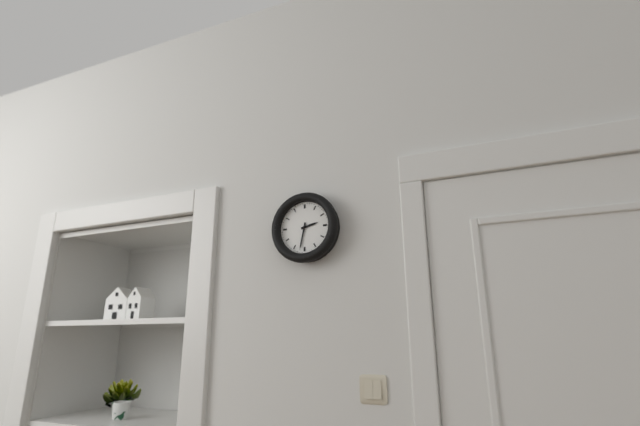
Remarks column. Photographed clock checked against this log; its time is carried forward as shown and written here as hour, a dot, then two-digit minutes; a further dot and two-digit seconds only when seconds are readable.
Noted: 2.32
